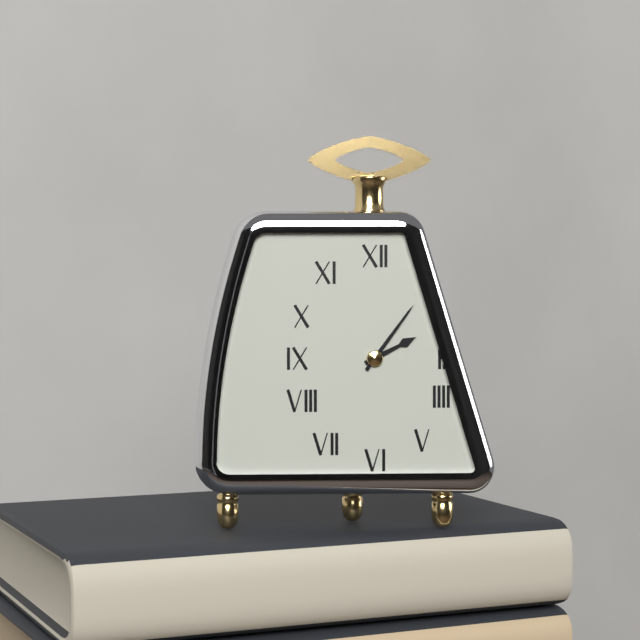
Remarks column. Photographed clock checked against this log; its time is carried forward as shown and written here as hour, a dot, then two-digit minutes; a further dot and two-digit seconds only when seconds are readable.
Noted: 2.06
